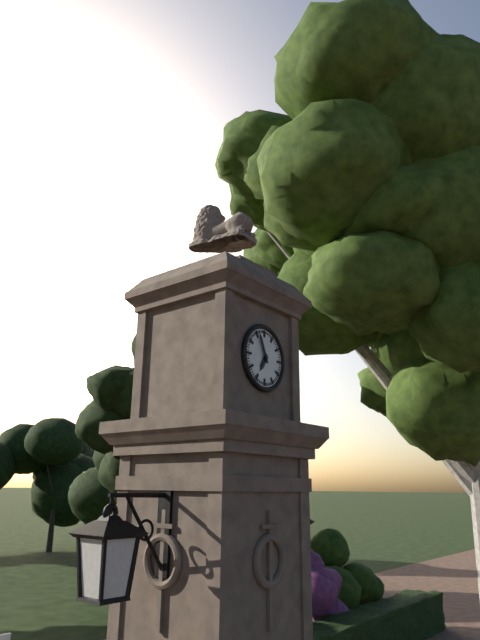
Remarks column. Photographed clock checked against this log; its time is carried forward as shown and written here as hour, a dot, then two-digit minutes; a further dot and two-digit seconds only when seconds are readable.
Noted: 6.56
